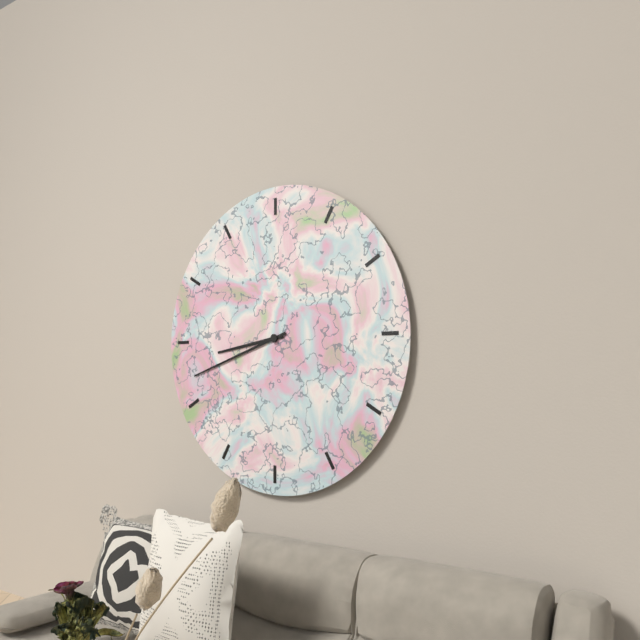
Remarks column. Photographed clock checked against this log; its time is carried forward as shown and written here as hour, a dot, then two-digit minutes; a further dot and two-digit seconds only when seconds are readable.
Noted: 8.42
